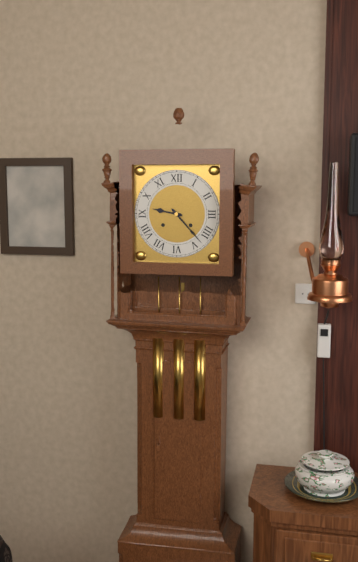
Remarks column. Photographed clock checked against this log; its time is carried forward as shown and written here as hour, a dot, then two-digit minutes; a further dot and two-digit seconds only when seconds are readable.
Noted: 9.23
